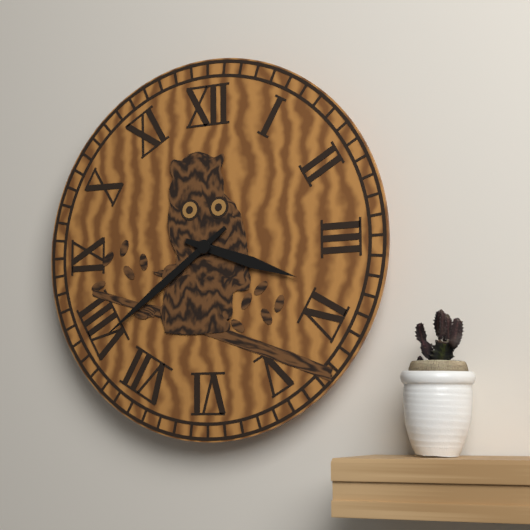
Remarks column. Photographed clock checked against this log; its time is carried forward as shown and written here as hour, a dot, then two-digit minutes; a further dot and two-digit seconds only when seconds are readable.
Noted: 3.39
